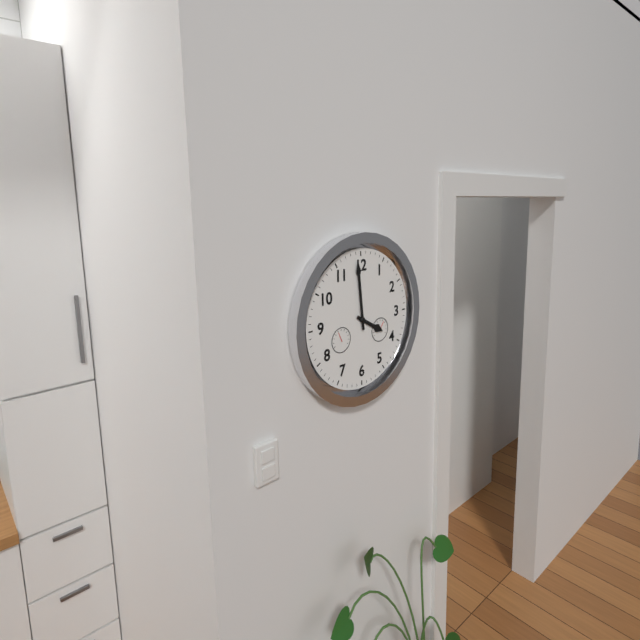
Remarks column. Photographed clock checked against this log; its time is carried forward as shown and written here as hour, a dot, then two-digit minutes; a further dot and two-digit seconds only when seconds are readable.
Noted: 3.59
